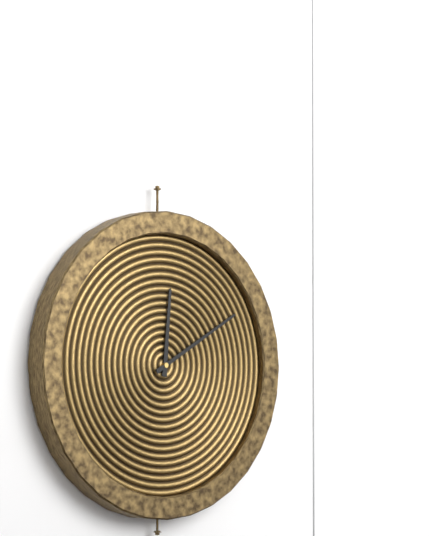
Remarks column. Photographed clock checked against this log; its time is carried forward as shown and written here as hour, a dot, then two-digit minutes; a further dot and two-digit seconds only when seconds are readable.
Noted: 12.10
